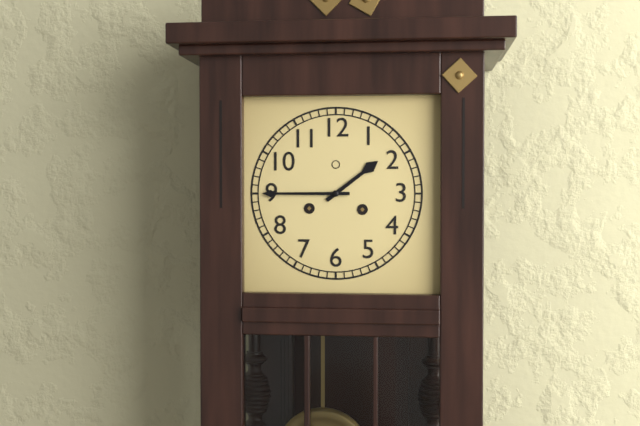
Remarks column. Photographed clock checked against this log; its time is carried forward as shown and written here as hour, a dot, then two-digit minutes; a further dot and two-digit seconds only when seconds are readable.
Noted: 1.45
